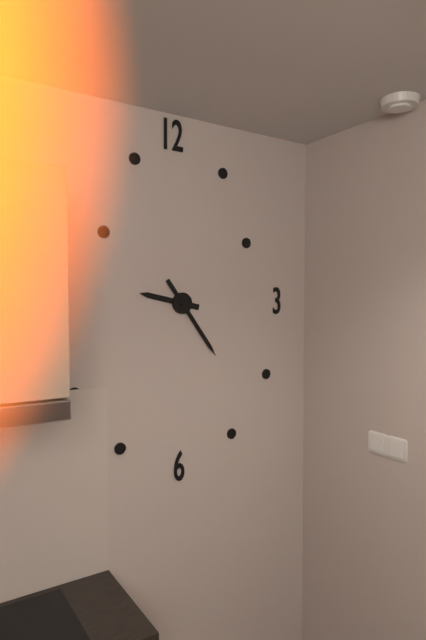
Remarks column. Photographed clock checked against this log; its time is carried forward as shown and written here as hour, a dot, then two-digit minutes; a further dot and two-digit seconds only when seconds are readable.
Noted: 9.24
